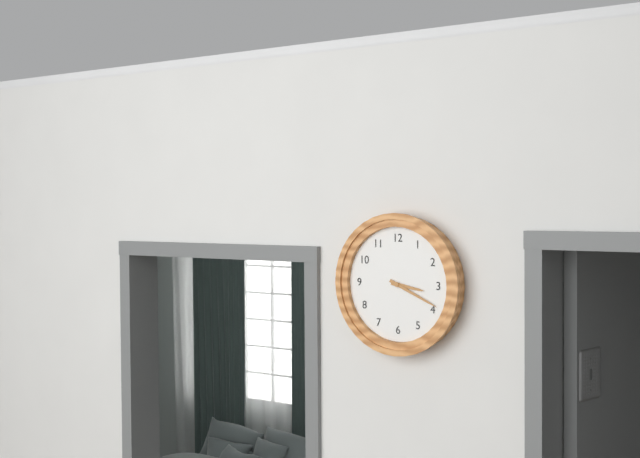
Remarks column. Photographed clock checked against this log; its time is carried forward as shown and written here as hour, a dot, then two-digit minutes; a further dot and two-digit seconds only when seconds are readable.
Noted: 3.19
